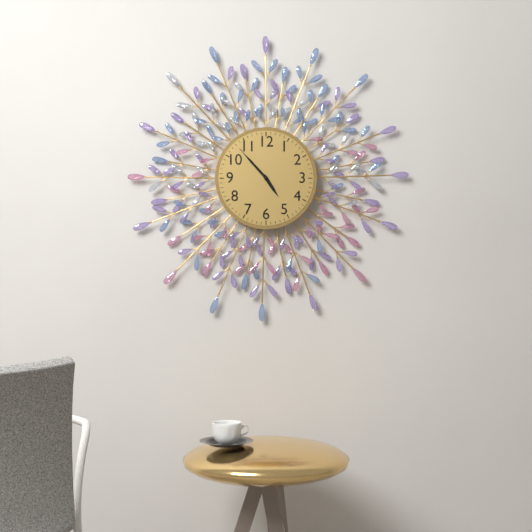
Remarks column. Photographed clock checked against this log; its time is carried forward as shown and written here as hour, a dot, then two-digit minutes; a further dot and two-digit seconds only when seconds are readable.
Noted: 4.53.53
